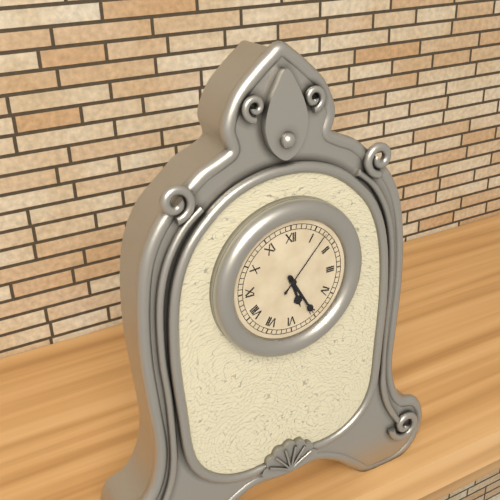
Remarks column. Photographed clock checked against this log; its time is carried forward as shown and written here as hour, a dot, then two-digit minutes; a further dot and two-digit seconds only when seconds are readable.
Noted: 5.25.07
